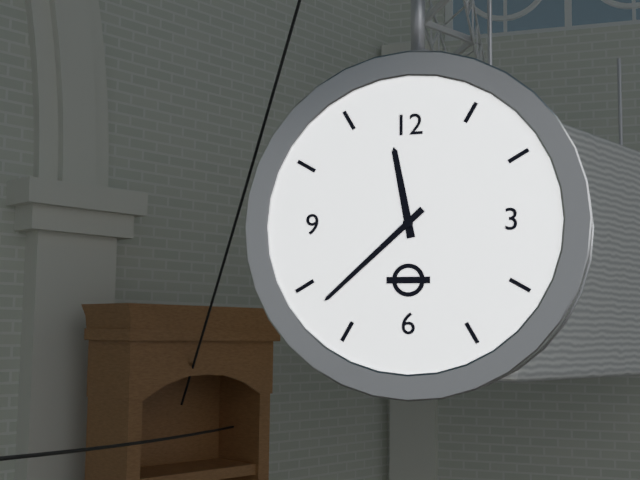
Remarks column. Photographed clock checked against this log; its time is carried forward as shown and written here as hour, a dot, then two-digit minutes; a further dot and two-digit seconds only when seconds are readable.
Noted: 11.38
